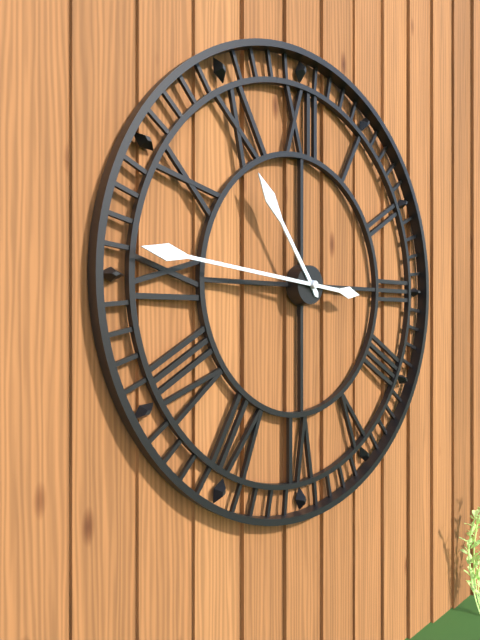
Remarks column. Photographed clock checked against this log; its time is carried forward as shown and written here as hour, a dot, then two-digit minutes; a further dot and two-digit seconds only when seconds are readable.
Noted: 10.46
